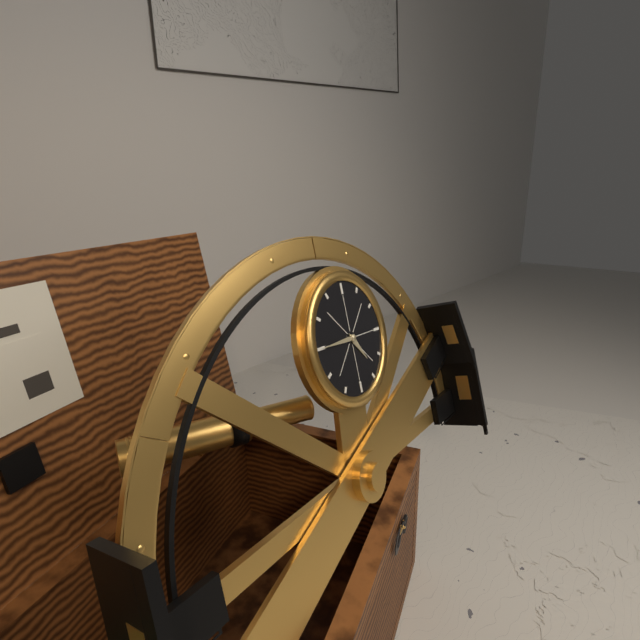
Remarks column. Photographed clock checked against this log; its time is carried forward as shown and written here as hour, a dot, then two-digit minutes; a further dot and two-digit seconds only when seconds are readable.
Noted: 4.45
